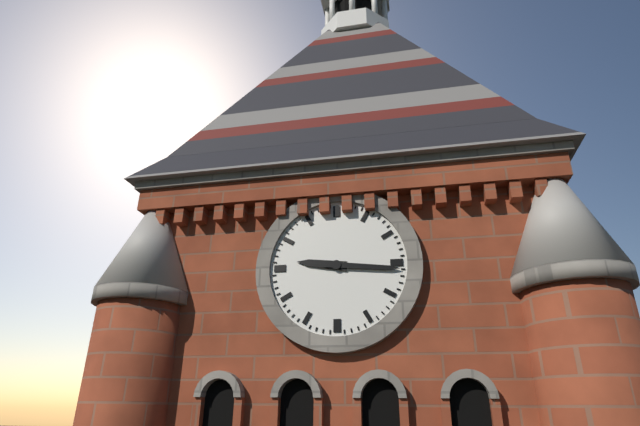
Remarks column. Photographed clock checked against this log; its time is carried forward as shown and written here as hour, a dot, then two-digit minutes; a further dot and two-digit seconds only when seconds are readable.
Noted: 9.16
